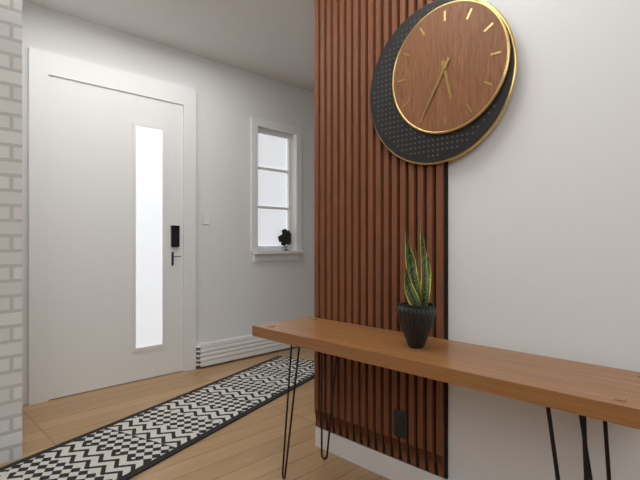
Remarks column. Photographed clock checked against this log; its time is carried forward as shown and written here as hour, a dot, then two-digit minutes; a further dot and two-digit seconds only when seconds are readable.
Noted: 5.35
